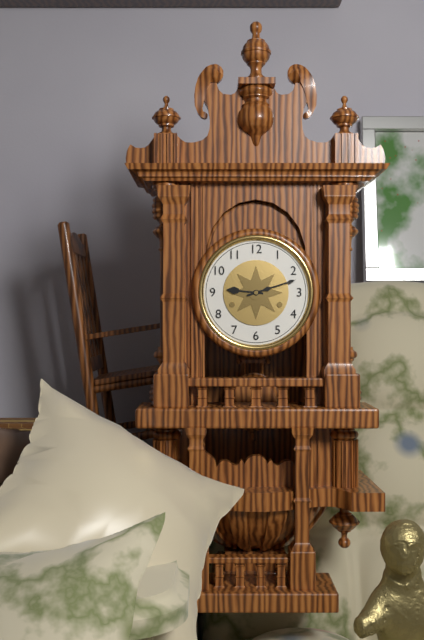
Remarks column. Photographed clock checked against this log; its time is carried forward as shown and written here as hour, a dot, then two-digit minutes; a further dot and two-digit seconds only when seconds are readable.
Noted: 9.12
